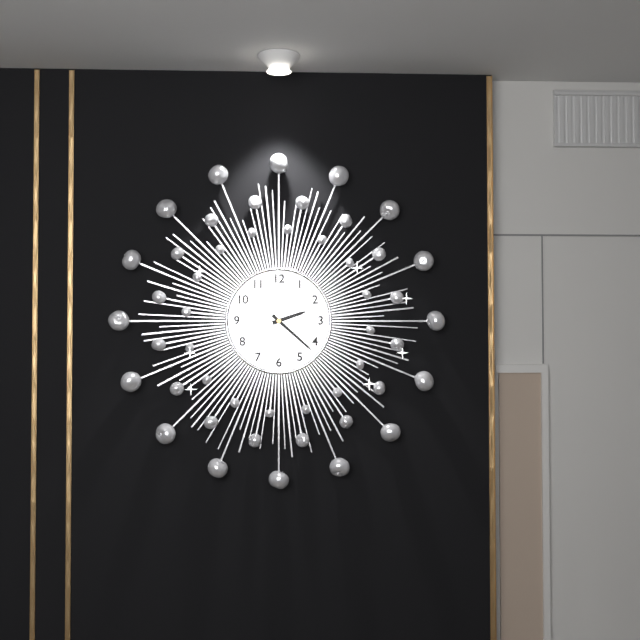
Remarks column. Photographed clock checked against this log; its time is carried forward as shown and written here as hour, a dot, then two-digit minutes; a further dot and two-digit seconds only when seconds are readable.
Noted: 2.22
